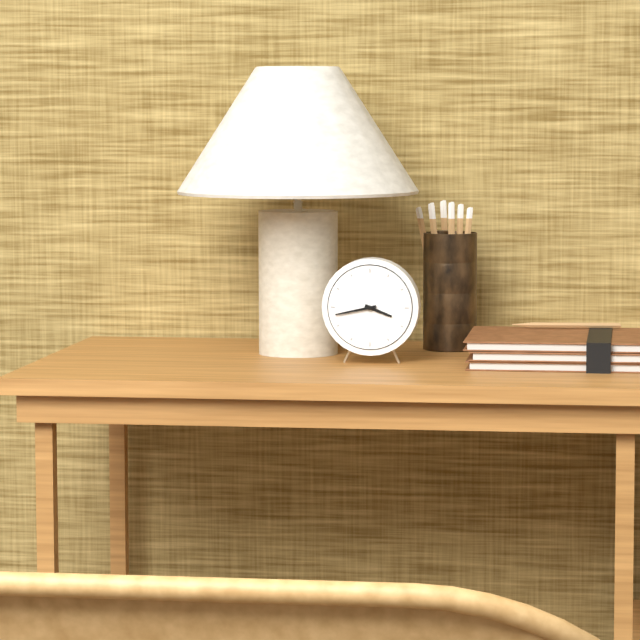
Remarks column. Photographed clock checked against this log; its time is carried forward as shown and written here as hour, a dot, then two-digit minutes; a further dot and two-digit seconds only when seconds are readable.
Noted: 3.43
